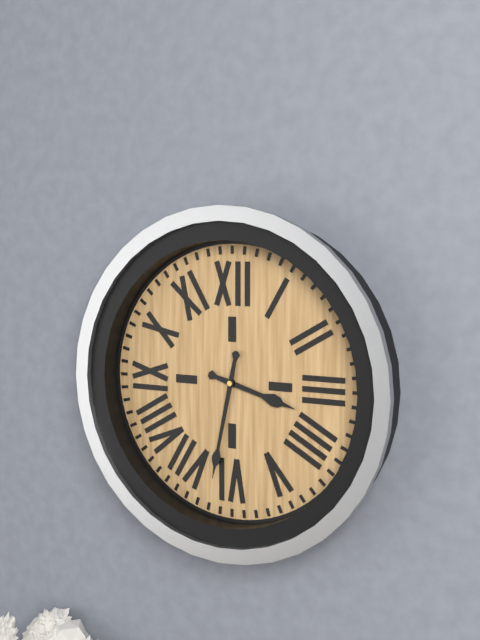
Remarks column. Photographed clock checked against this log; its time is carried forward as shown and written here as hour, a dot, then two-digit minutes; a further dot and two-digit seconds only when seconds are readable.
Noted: 3.32
